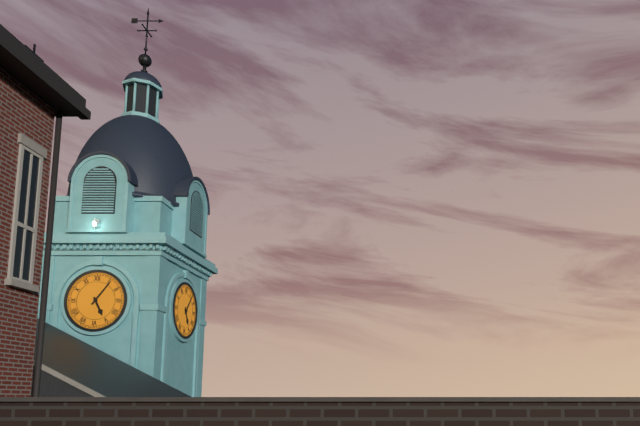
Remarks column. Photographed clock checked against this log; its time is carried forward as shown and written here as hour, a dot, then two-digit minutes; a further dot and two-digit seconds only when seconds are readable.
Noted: 5.06
